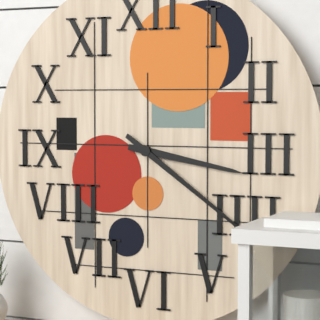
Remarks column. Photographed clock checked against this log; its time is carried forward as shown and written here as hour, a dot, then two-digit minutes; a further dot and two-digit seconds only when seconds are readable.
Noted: 3.21
